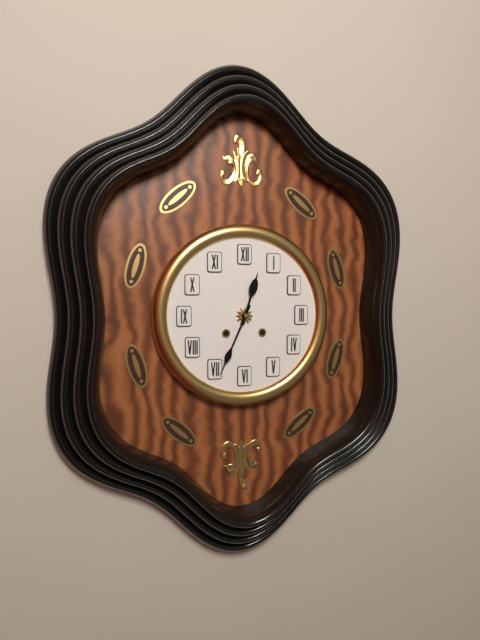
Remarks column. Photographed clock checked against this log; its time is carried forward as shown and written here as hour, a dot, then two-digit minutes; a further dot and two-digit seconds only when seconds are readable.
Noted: 12.34
